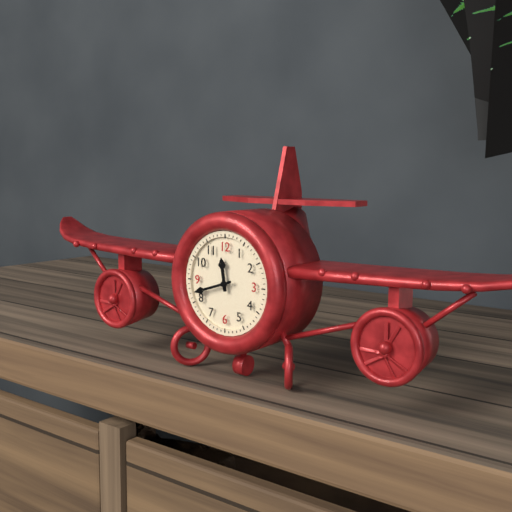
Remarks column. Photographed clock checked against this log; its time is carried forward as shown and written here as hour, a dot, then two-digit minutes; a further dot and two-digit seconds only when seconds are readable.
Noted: 11.42
